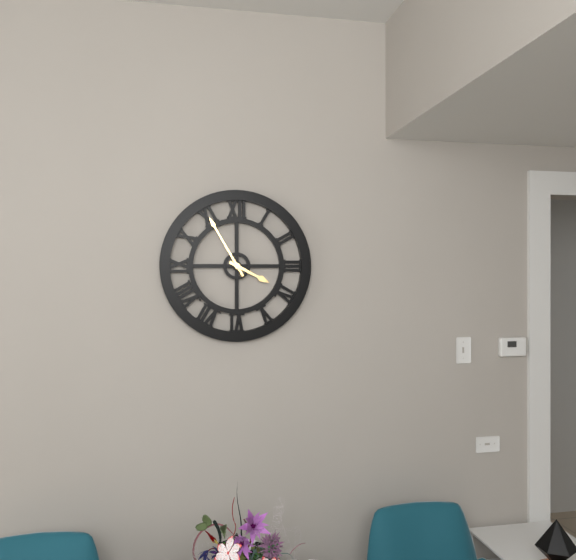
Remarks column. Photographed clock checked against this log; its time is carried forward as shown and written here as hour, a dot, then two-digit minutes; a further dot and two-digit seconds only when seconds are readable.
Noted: 3.55
